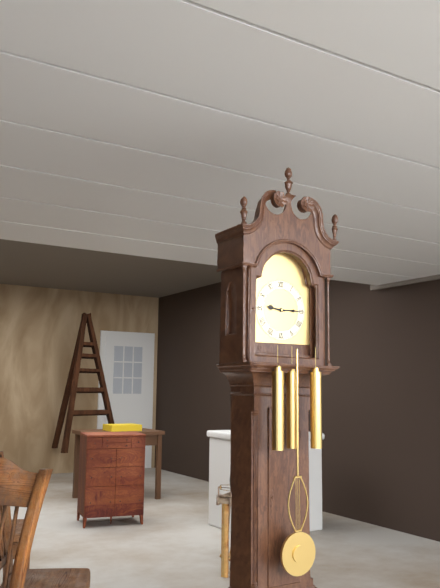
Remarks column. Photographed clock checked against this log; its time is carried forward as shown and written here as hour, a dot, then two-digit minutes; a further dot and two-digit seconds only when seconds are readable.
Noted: 9.15
